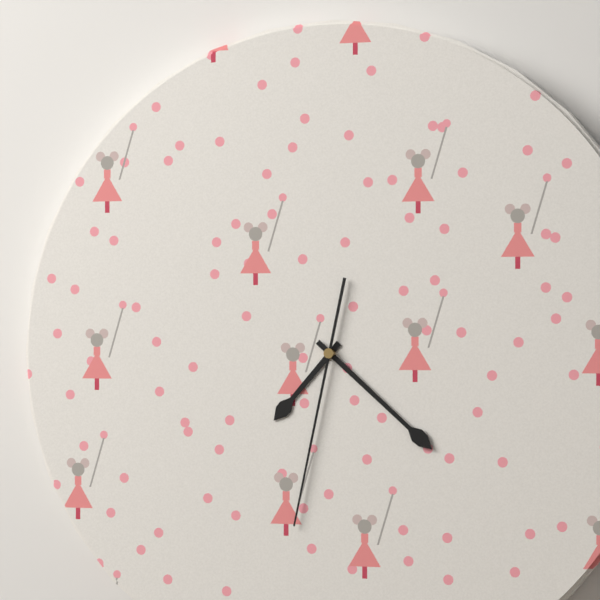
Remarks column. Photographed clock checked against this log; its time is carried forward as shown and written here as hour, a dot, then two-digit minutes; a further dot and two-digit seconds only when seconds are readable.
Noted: 7.22.32
